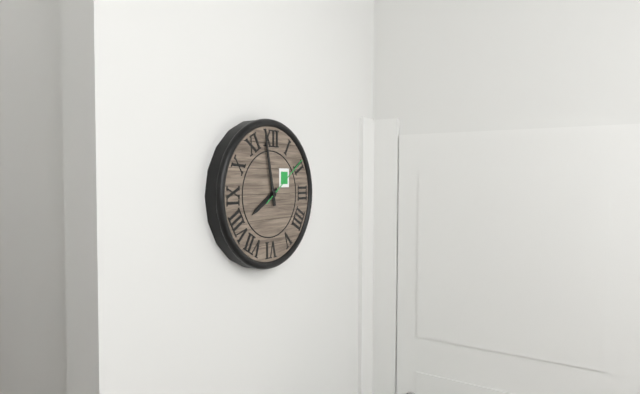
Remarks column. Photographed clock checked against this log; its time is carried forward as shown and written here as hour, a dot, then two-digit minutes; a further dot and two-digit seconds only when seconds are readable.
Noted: 7.58.09
